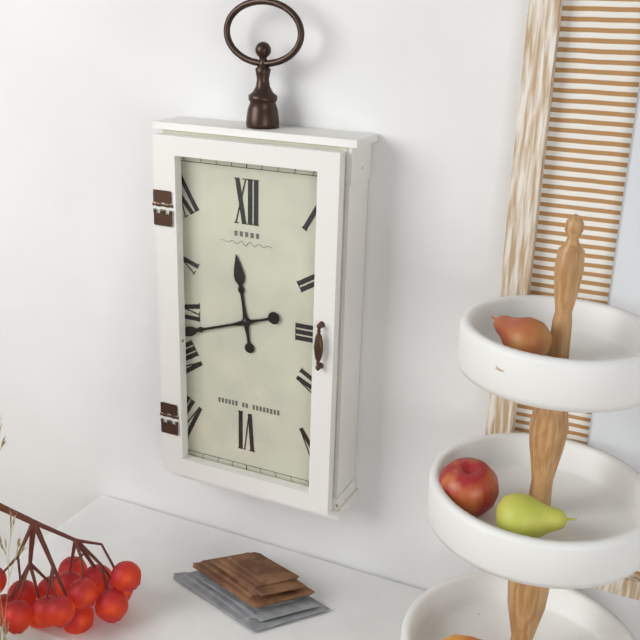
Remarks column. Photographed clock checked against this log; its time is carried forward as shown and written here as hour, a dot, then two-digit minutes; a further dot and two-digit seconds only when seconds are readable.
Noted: 11.42
